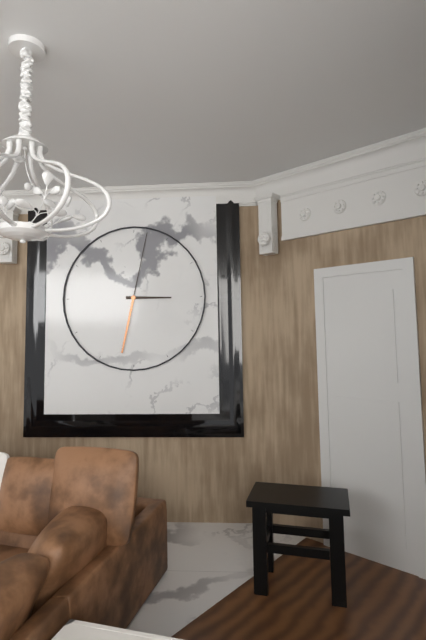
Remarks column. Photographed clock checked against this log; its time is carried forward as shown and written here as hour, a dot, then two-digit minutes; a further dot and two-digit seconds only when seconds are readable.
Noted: 3.02
